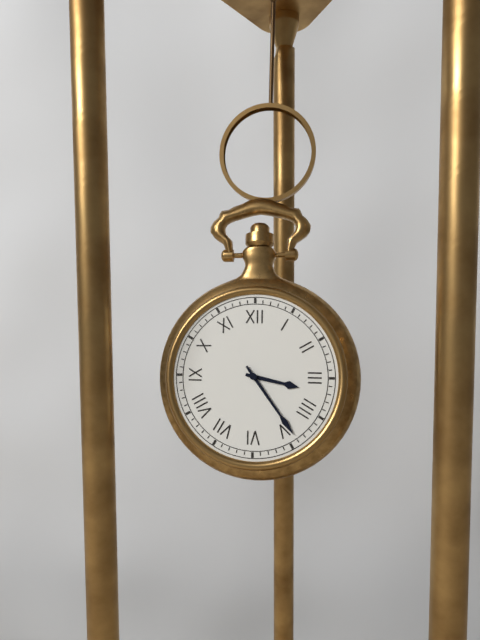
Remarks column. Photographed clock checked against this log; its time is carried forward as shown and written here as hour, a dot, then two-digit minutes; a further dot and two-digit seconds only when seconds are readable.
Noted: 3.24
